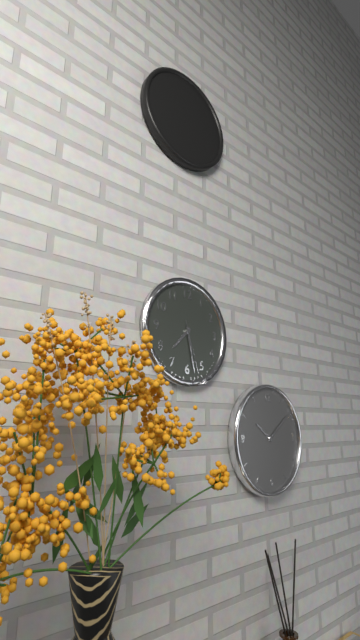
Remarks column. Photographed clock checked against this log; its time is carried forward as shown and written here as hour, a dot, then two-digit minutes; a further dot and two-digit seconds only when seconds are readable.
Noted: 7.28.27
